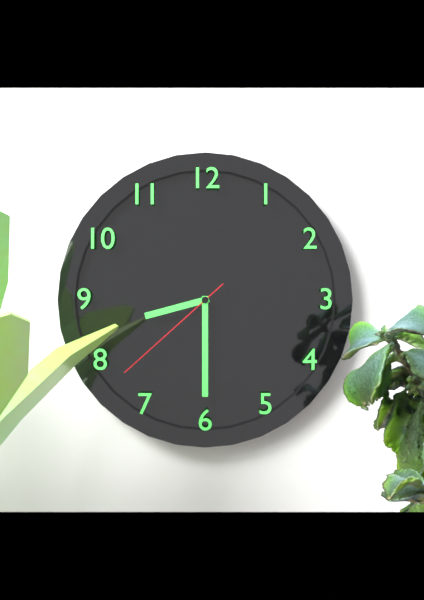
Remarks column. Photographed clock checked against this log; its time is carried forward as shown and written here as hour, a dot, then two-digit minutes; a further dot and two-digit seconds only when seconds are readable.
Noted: 8.30.38
